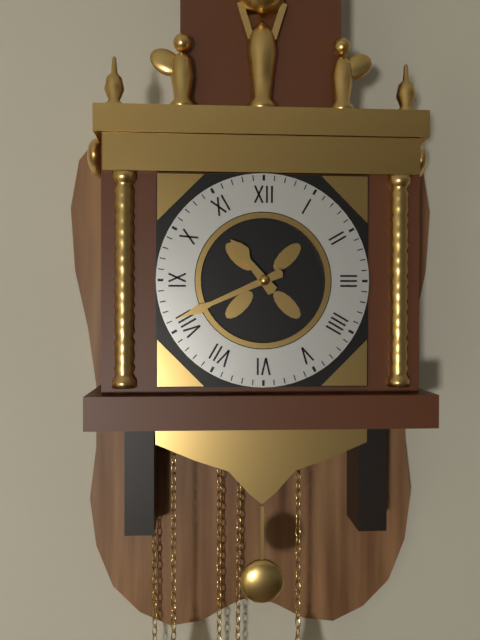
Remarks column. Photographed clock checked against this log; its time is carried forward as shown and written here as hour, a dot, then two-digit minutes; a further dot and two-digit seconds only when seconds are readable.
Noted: 10.41
